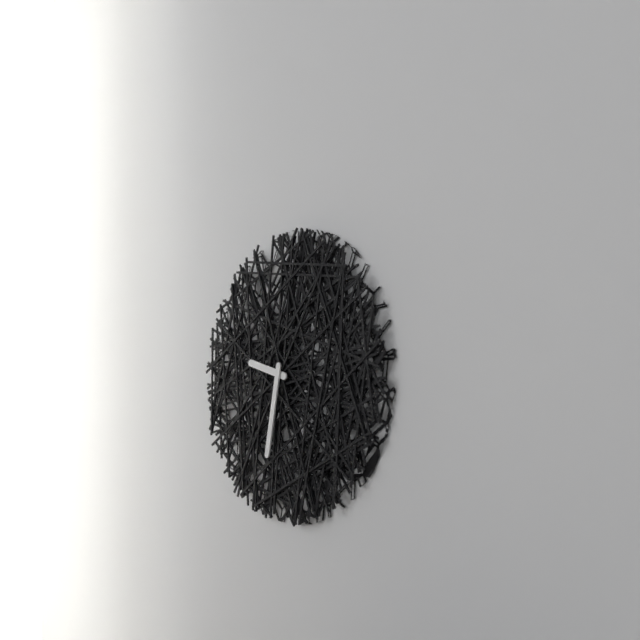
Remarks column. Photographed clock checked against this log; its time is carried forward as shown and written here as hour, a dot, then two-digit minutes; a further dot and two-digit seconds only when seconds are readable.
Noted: 9.32
